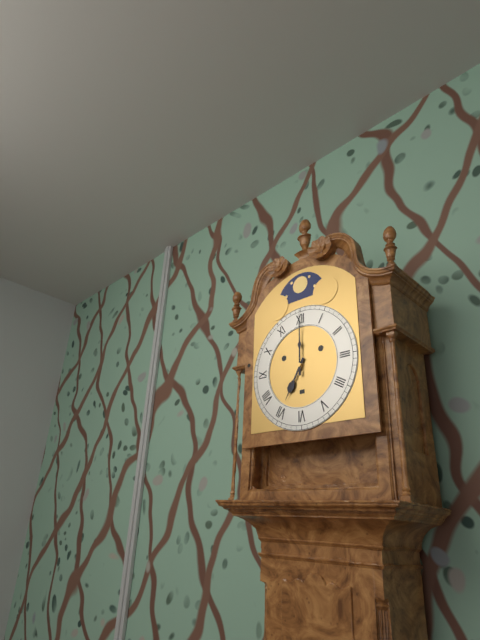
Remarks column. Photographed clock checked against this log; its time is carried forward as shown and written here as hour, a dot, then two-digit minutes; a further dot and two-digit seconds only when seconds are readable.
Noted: 7.00
